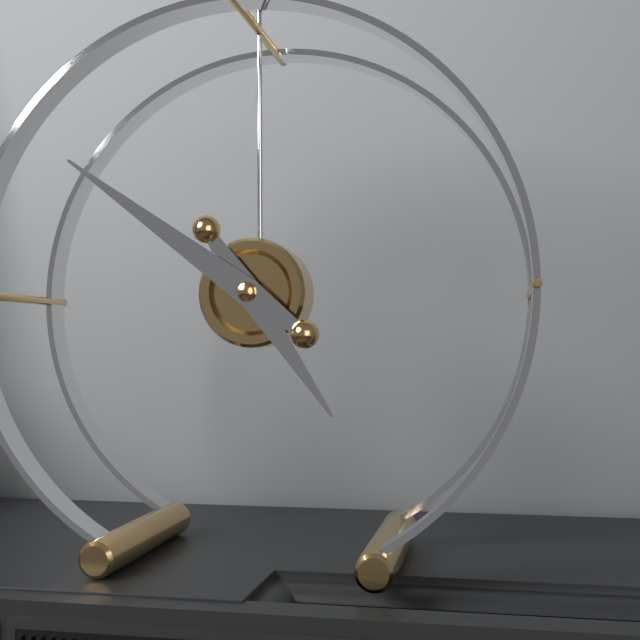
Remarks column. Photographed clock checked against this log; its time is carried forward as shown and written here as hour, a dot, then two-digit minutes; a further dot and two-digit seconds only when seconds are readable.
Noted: 4.51
